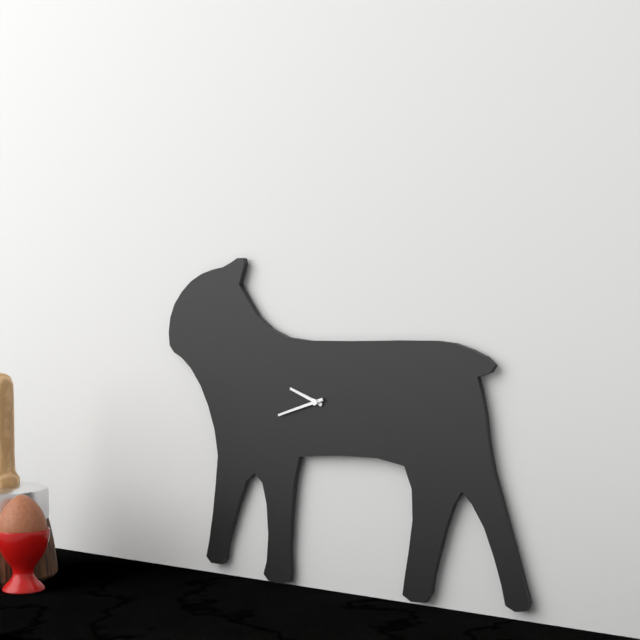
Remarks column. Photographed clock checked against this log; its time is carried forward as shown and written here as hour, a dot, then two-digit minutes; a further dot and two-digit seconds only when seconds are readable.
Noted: 9.42
